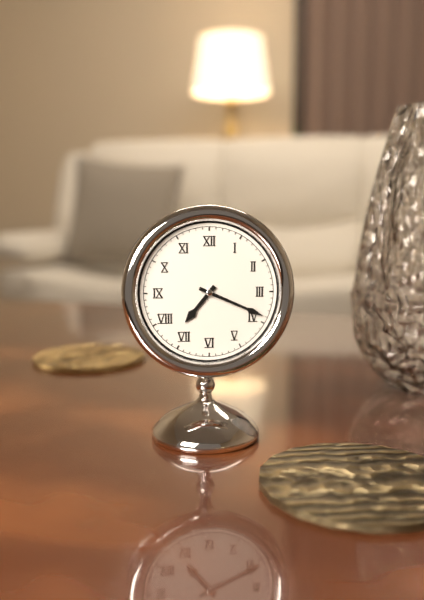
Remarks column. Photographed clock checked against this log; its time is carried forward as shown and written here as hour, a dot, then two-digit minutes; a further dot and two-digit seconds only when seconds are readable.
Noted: 7.19
